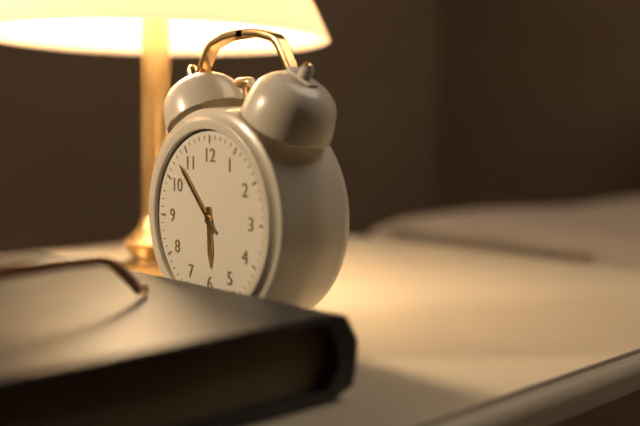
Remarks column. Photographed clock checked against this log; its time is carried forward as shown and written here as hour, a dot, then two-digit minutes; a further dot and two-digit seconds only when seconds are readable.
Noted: 5.53
